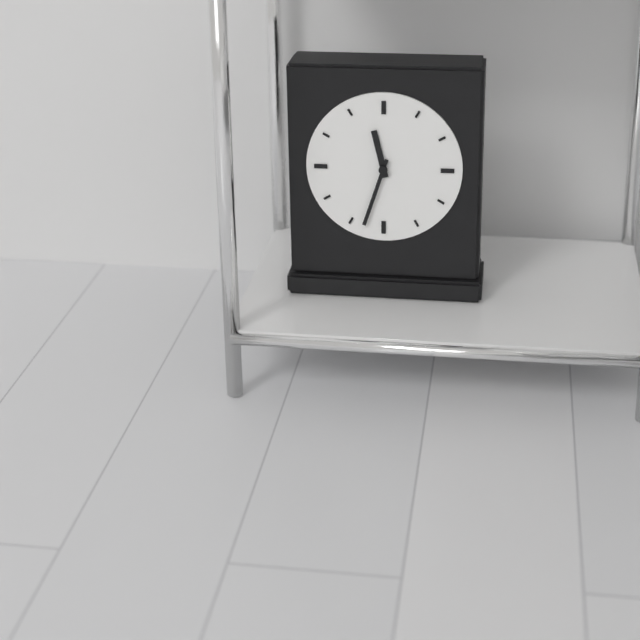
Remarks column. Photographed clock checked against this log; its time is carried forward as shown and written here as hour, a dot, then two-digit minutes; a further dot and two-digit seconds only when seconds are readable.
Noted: 11.33
